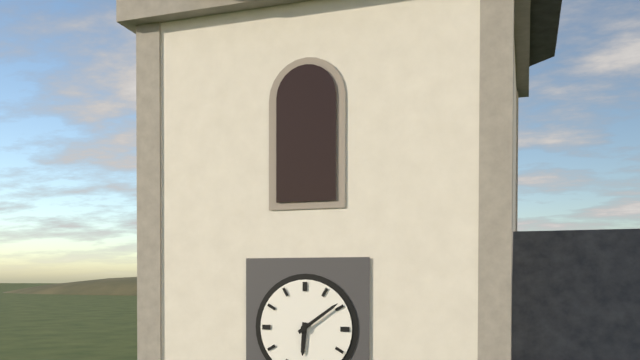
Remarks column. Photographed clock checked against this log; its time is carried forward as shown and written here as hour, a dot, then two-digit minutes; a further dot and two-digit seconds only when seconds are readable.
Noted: 6.09
